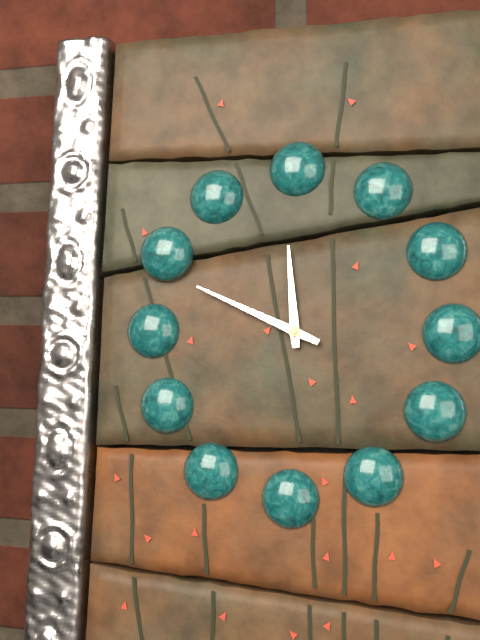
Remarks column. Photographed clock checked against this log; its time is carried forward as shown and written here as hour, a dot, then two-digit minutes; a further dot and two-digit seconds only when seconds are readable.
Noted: 11.49
